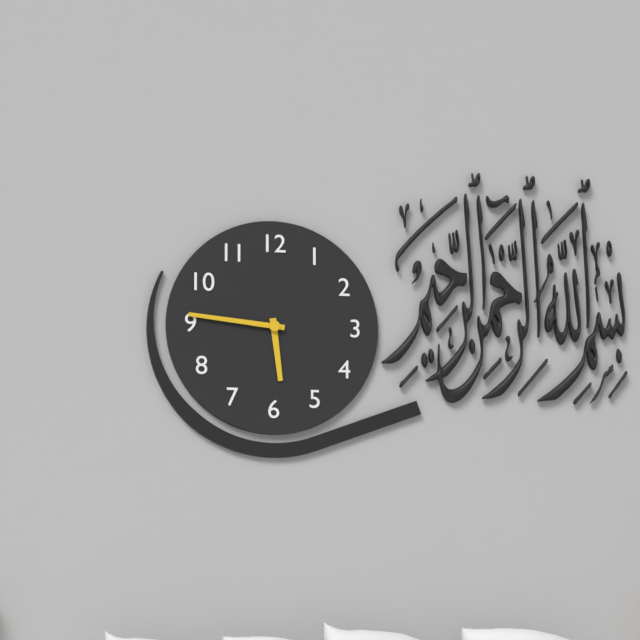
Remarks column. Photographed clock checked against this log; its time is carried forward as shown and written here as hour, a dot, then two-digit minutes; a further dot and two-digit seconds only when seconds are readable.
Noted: 5.46
